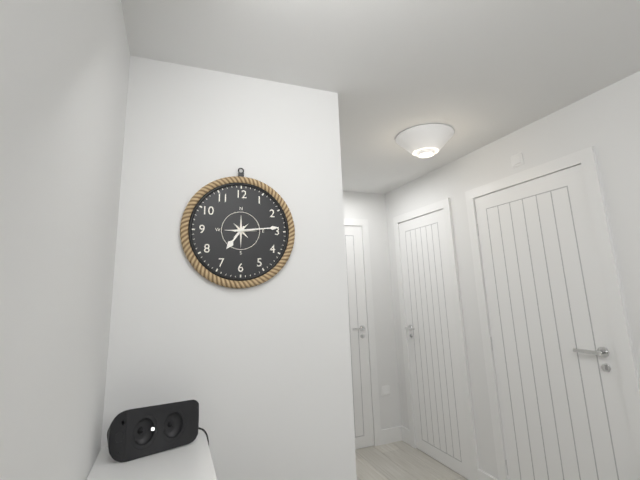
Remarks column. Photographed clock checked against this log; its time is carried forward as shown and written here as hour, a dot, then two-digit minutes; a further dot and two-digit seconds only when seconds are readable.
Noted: 7.14
